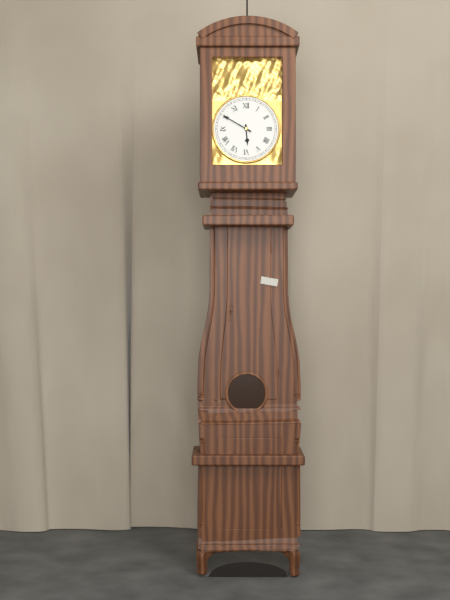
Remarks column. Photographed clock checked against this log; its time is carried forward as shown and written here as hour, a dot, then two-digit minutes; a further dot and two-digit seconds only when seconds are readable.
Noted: 5.50
